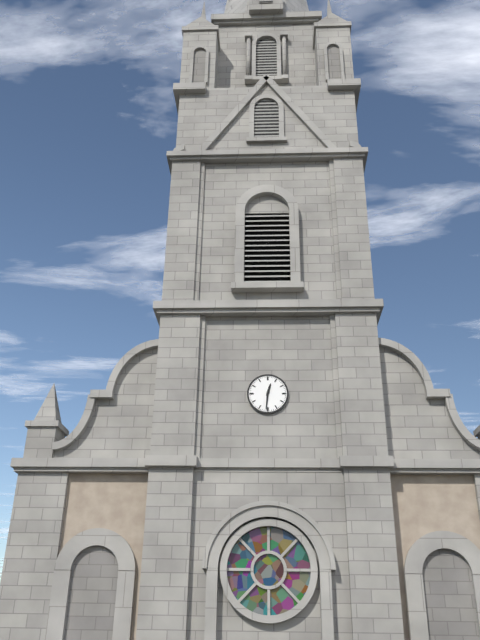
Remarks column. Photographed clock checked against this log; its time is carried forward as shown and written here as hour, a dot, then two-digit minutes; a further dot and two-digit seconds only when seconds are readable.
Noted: 12.31
